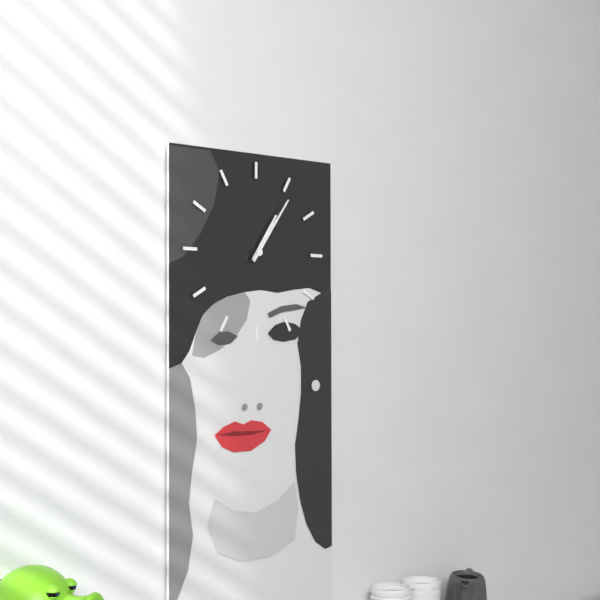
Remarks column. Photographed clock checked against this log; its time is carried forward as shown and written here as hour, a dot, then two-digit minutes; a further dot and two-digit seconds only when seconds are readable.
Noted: 1.06
